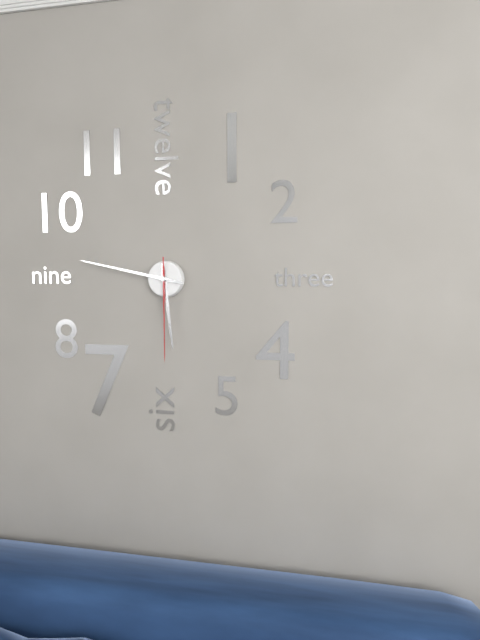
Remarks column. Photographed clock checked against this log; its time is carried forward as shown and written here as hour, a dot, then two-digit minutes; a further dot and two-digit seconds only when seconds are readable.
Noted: 5.47.30
